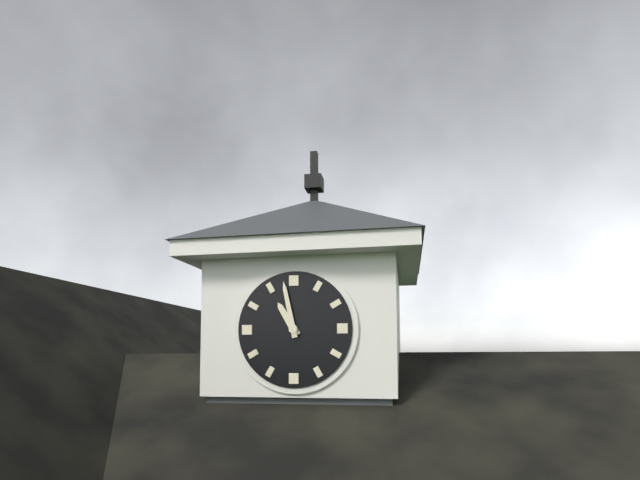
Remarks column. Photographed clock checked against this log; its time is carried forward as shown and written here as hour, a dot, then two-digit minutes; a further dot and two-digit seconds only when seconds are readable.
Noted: 10.58
